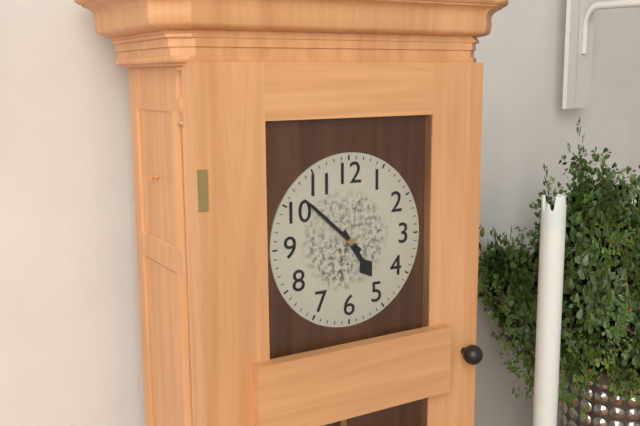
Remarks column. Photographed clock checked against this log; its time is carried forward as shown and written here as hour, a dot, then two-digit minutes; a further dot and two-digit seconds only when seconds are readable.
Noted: 4.52
